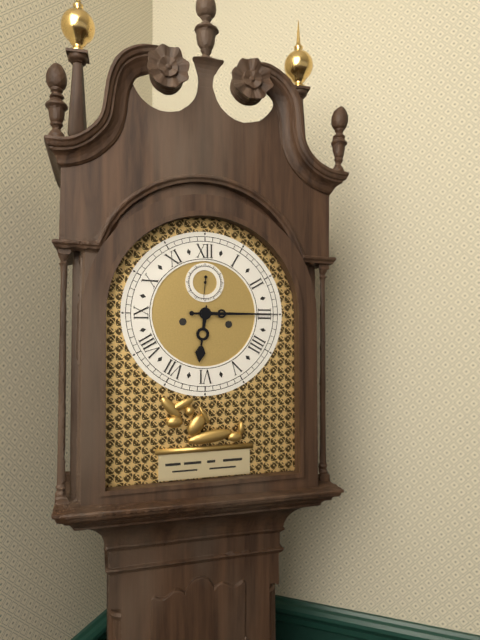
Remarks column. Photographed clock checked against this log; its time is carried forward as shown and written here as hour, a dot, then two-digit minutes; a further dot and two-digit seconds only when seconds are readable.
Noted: 6.15
